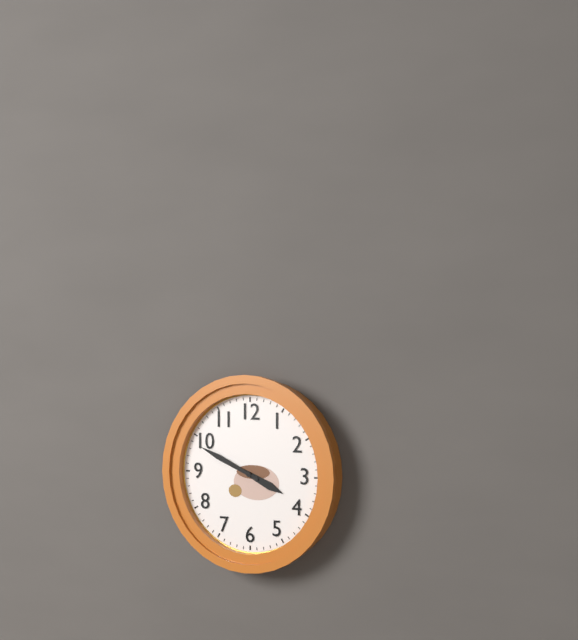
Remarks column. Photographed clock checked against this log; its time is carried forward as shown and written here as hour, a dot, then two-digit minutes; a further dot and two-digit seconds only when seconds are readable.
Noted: 3.49
